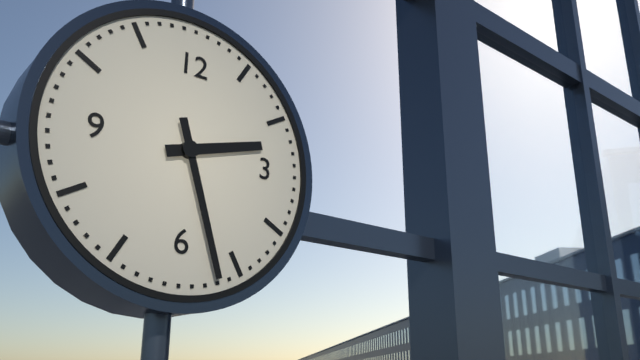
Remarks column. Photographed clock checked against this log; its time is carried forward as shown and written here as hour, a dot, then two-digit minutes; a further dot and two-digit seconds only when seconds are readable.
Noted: 2.27
